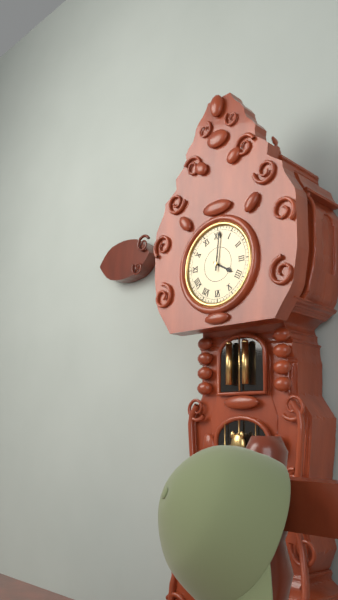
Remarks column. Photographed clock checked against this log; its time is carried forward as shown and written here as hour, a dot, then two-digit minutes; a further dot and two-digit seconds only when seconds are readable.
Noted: 4.01
